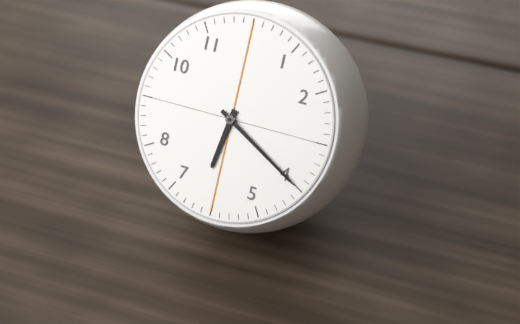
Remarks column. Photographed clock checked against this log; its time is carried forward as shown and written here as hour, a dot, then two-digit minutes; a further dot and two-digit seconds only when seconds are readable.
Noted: 6.20
